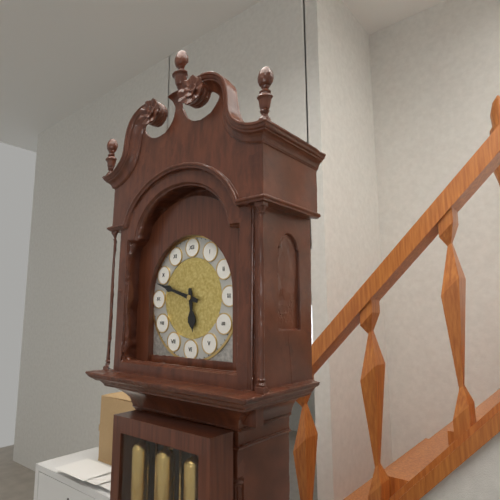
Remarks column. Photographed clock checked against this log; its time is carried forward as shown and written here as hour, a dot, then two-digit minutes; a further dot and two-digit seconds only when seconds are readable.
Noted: 5.48
